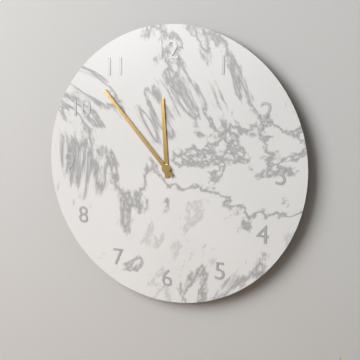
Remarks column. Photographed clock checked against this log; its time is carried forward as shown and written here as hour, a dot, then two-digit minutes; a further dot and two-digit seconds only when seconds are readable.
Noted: 11.53
